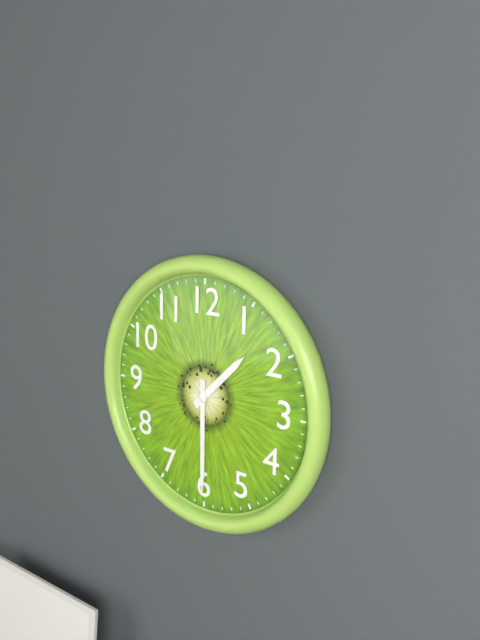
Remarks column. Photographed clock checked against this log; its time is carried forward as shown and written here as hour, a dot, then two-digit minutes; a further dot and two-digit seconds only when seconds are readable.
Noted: 1.30
